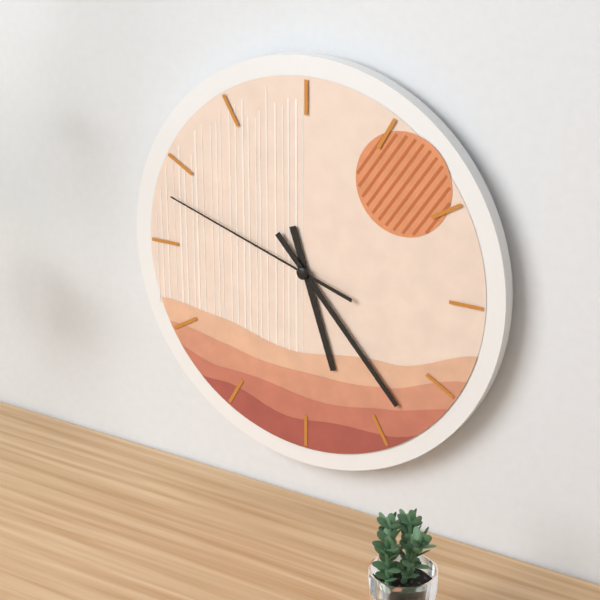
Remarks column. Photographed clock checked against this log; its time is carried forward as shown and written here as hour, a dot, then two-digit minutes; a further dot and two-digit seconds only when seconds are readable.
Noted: 5.23.48
